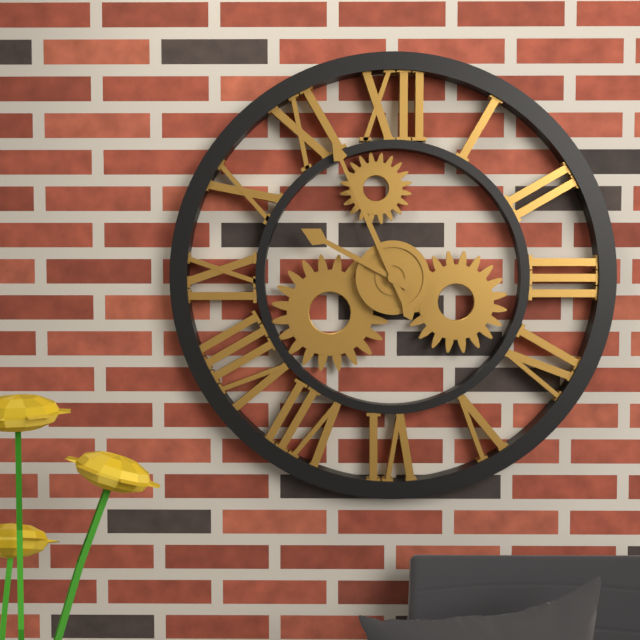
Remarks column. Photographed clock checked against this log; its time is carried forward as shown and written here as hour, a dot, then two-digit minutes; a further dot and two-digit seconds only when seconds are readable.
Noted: 9.56
